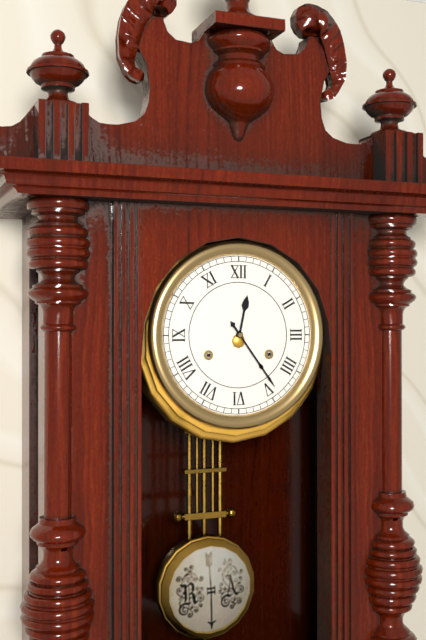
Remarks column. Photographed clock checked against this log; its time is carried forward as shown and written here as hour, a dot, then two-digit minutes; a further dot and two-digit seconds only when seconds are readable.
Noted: 12.24
